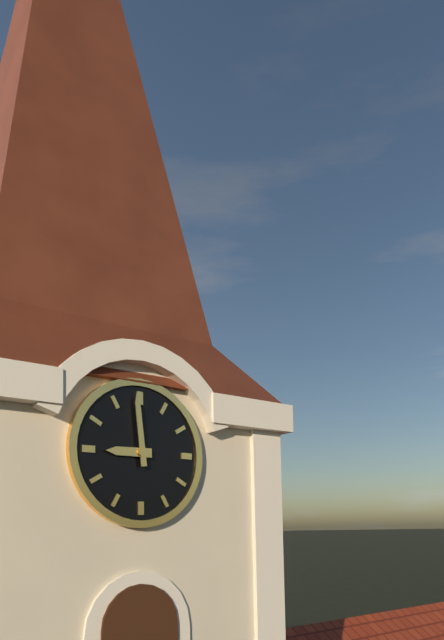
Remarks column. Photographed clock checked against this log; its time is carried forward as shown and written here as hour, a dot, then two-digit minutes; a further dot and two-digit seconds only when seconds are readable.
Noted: 8.59
